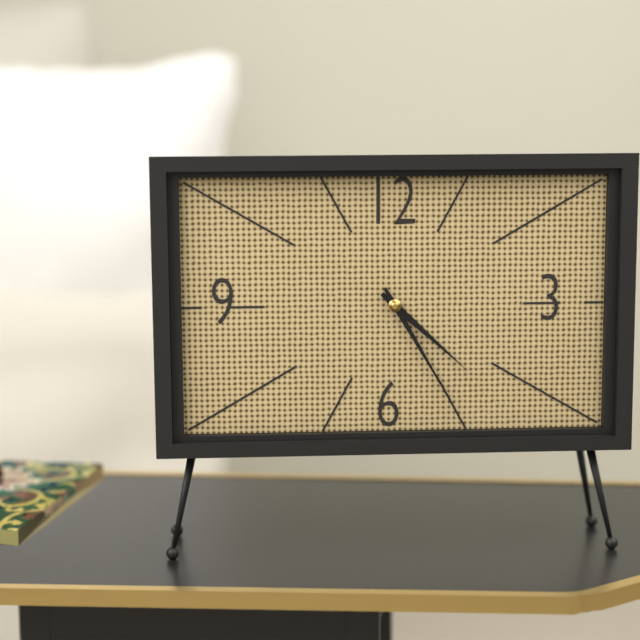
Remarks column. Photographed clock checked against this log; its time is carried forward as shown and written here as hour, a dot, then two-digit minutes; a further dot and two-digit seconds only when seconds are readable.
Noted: 4.25
